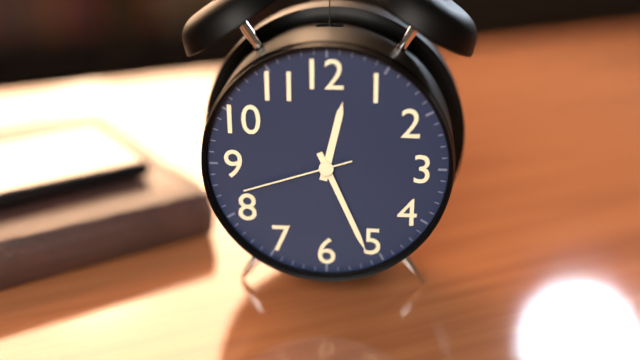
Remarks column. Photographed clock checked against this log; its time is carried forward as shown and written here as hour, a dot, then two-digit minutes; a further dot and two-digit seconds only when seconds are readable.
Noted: 12.26.42
